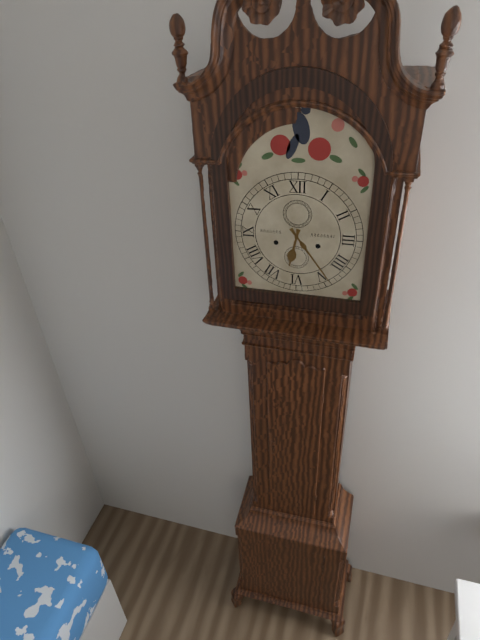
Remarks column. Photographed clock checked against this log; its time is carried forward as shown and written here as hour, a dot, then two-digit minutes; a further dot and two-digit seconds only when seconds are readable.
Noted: 6.24
